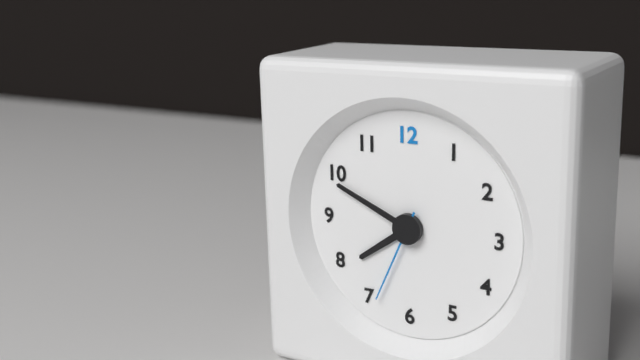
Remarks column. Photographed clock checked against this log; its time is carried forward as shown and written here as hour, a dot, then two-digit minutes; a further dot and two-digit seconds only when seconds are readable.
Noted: 7.49.34
